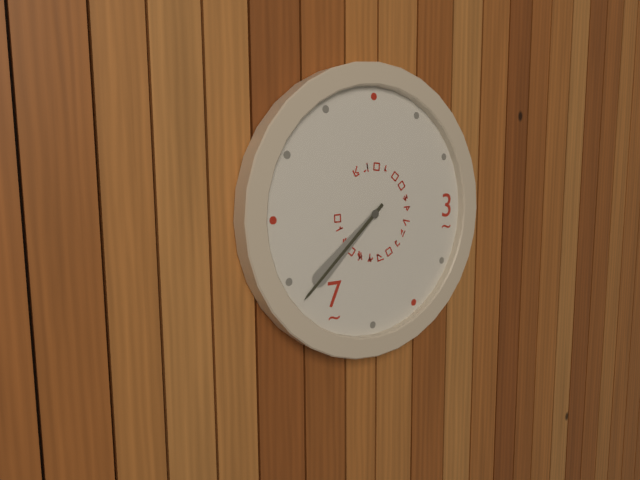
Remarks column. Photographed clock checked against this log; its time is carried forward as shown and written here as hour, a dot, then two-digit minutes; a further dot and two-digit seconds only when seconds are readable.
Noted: 7.38
